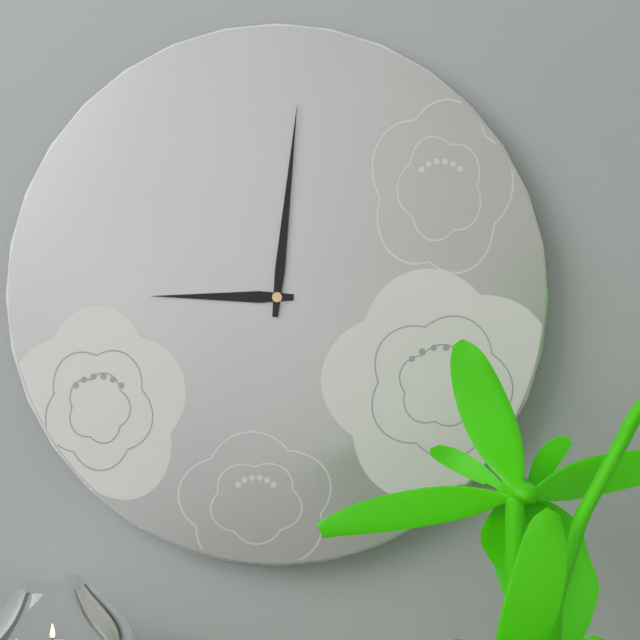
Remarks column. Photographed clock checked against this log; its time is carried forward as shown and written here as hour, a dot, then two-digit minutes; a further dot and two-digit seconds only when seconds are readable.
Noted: 9.01
